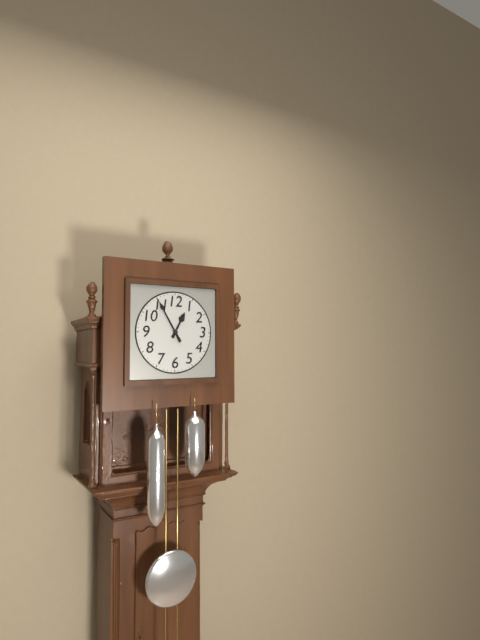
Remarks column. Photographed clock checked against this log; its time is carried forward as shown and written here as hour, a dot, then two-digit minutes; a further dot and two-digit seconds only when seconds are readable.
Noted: 12.55
